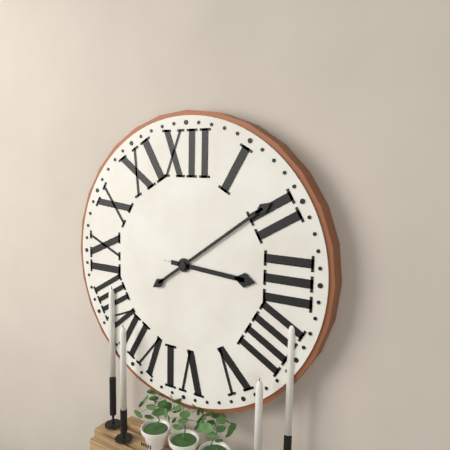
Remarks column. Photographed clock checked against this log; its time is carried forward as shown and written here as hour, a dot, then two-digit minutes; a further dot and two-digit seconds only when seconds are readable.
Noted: 3.09
